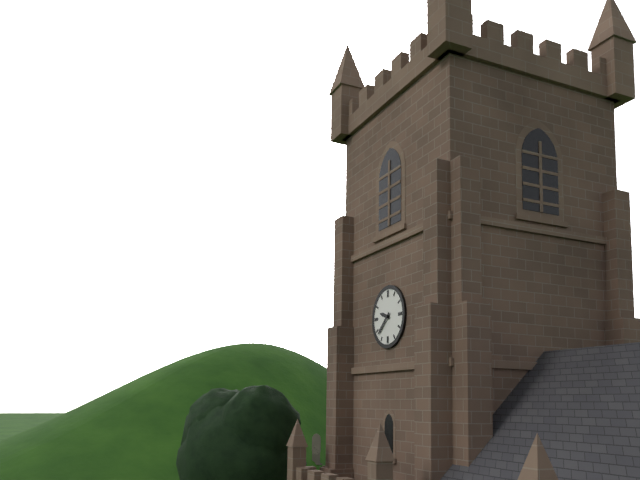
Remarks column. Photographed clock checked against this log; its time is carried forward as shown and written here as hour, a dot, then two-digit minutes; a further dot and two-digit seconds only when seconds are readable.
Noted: 9.38
